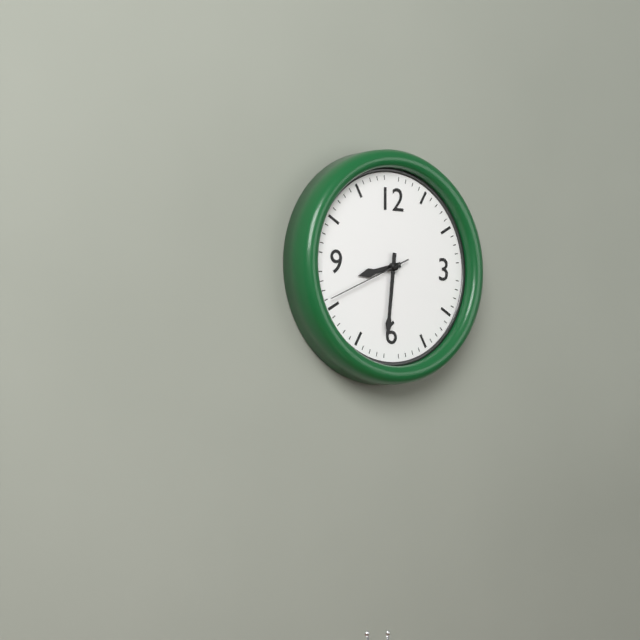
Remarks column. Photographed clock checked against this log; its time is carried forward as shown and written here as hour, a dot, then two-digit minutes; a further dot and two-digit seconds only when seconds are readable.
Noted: 8.31.41
